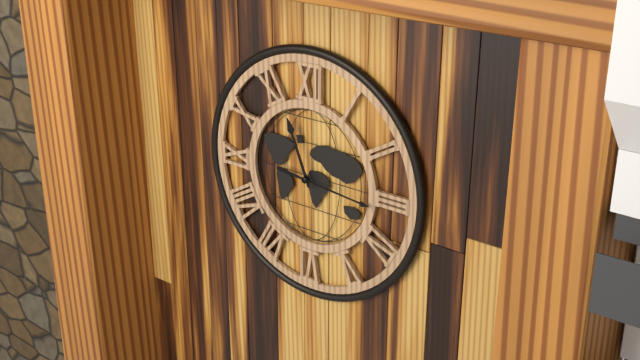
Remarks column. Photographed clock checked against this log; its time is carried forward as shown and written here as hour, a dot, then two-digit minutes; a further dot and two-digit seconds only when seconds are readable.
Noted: 11.16
